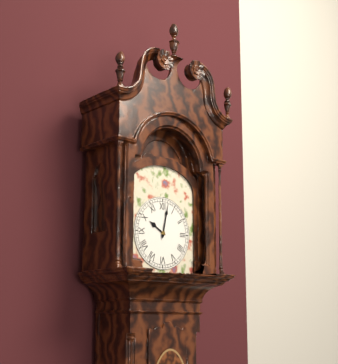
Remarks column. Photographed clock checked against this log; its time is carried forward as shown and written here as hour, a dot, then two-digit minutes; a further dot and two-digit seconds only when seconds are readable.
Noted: 10.02
